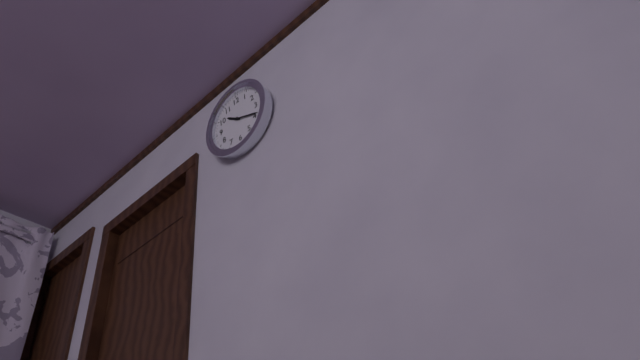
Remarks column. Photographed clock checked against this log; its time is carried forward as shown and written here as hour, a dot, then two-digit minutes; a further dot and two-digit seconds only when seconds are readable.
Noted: 10.19
